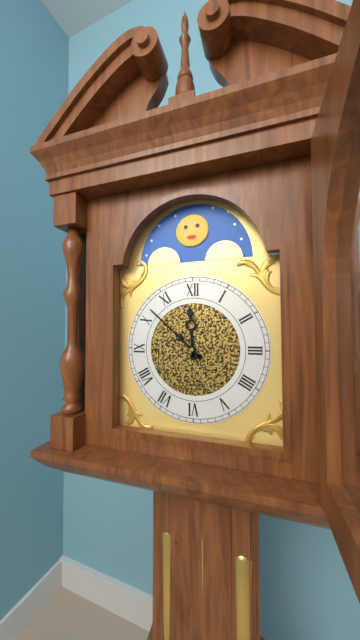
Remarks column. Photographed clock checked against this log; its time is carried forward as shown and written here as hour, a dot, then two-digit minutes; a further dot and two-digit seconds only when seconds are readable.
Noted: 11.52
